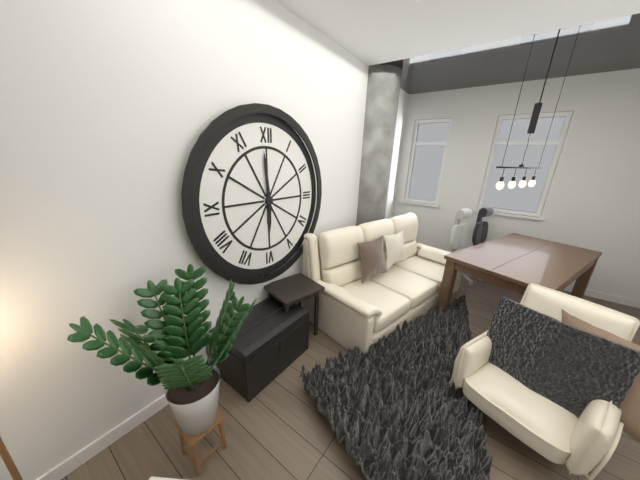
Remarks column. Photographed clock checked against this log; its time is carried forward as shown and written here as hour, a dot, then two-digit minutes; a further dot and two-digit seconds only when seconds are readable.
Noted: 5.59
